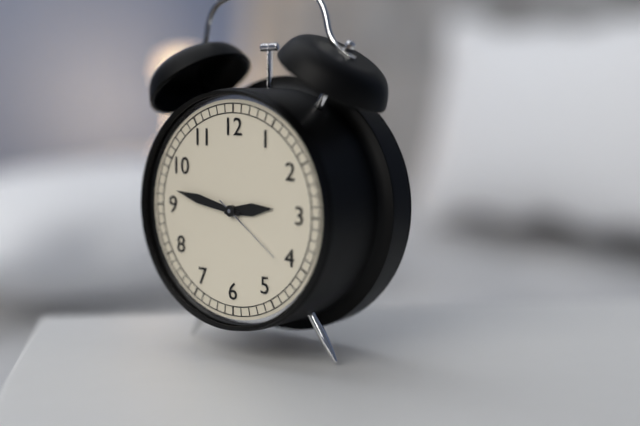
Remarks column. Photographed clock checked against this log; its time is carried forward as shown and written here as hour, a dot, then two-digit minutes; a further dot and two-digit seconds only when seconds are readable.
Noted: 2.47.21
